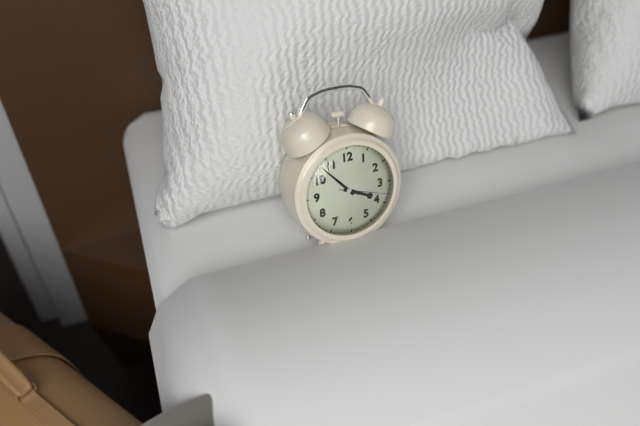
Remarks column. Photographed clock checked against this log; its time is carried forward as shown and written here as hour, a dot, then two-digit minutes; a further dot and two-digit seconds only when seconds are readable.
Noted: 3.53
